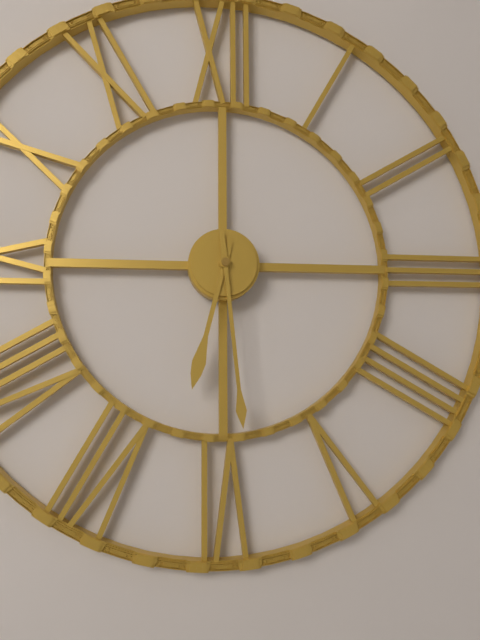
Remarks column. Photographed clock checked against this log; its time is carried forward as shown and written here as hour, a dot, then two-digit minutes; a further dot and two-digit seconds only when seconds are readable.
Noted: 6.29
